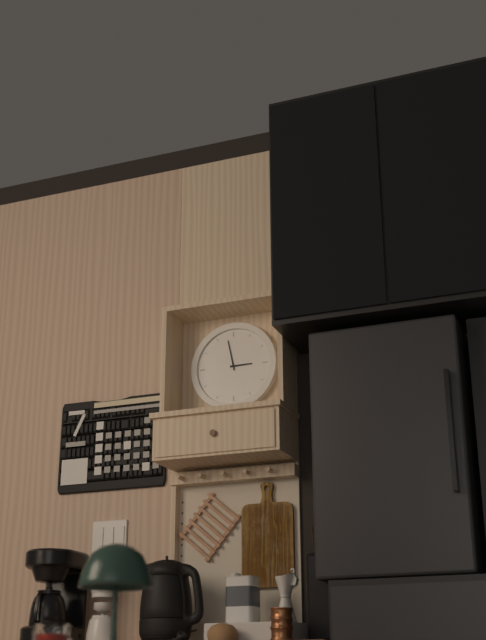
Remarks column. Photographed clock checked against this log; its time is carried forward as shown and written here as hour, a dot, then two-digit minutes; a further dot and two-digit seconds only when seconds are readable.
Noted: 2.58
